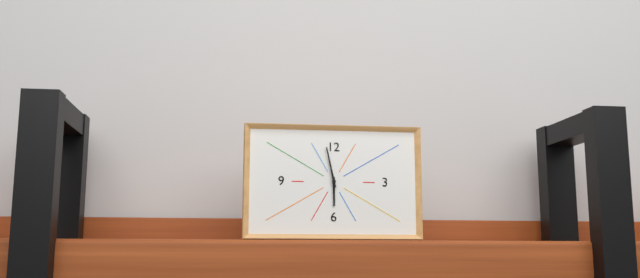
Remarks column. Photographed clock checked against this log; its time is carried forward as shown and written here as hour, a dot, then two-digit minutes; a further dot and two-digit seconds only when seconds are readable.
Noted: 5.58
